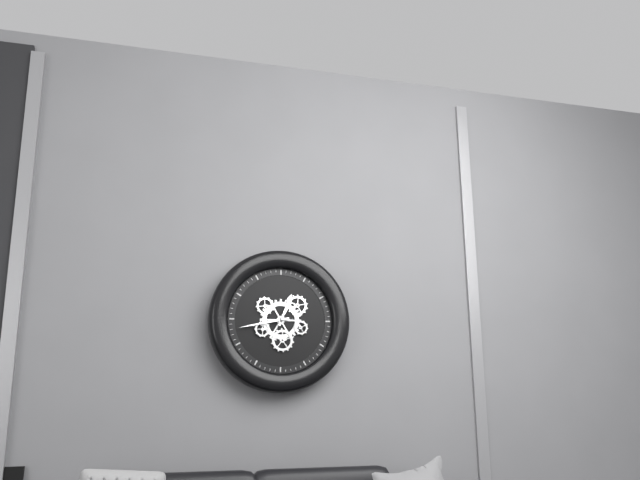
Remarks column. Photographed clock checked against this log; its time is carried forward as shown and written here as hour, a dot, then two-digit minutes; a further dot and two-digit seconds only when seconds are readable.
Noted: 12.43
